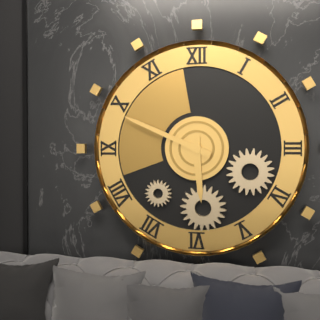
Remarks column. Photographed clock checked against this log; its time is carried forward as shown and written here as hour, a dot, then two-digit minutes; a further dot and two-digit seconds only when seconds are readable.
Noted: 5.49
